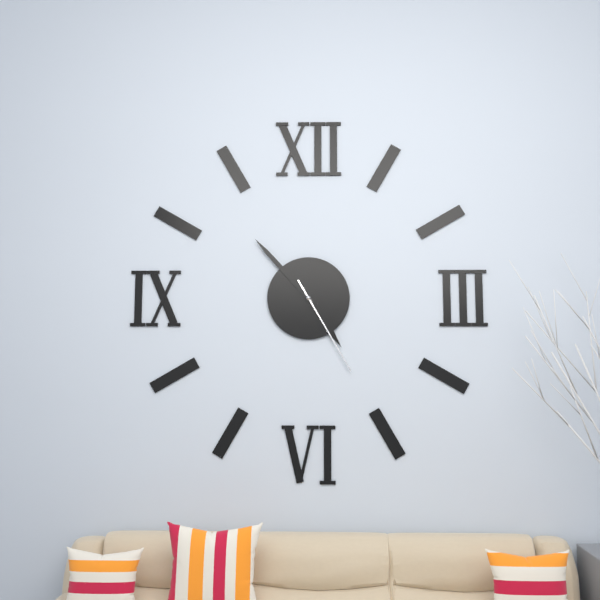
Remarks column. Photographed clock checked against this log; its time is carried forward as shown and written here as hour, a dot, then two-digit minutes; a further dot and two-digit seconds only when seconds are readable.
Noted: 4.53.25
